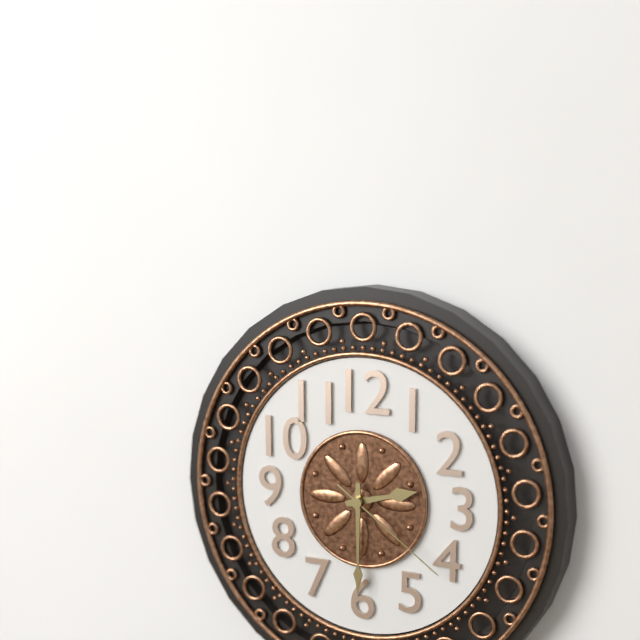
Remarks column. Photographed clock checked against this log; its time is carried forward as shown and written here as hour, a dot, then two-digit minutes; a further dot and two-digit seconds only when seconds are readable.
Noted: 2.30.21
